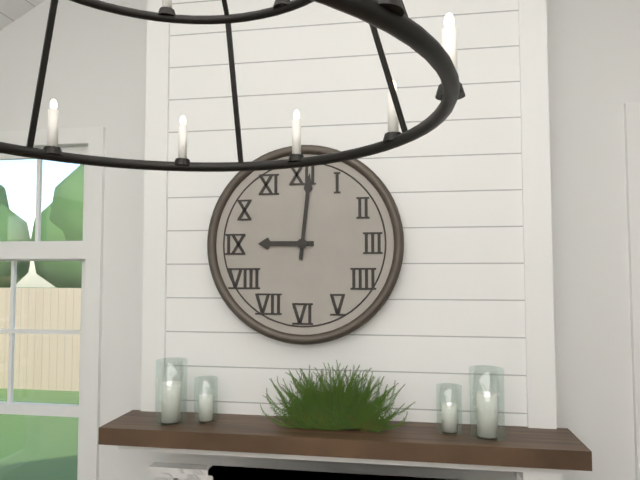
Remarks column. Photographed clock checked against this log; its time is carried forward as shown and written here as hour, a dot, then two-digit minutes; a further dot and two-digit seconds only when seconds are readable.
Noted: 9.01
